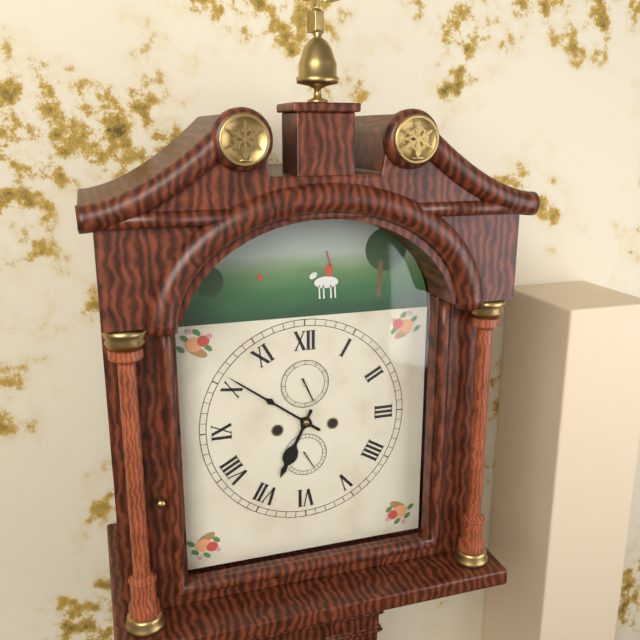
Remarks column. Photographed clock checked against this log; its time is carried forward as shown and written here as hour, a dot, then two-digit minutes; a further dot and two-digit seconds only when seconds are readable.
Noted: 6.51
